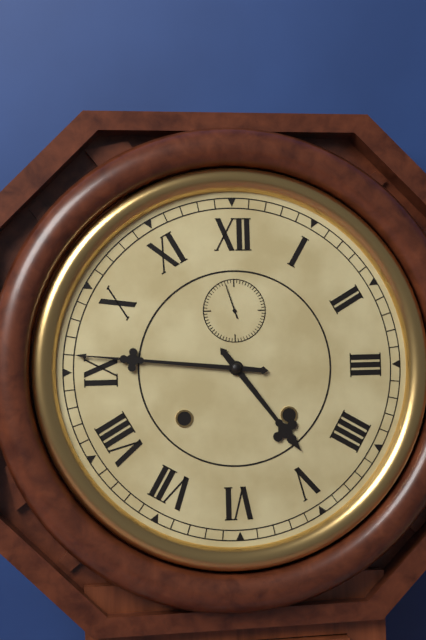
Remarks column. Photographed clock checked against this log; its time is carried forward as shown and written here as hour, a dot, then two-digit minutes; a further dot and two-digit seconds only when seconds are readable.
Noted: 4.46
